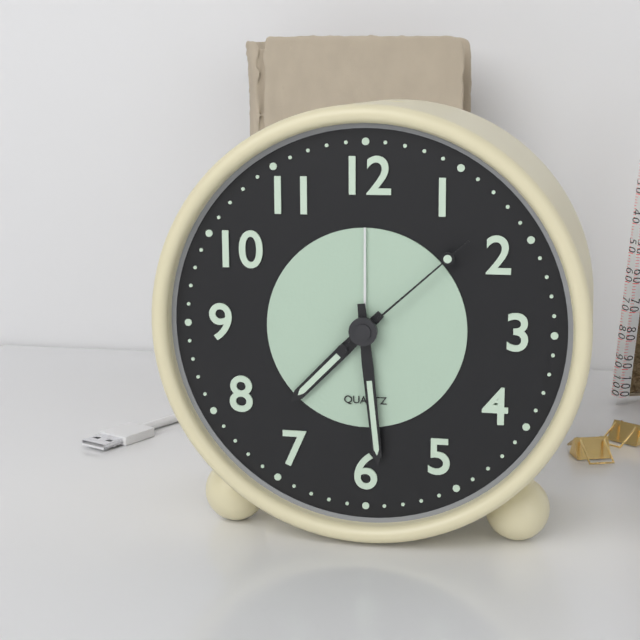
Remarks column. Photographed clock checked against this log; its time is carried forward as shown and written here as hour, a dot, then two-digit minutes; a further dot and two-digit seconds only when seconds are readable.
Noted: 7.29.08
